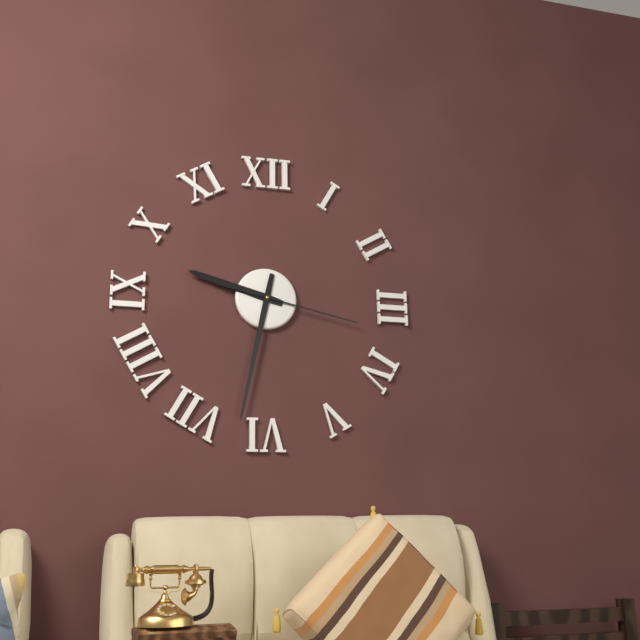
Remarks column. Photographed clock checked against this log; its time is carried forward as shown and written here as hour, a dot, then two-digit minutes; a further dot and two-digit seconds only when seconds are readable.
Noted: 9.32.17
